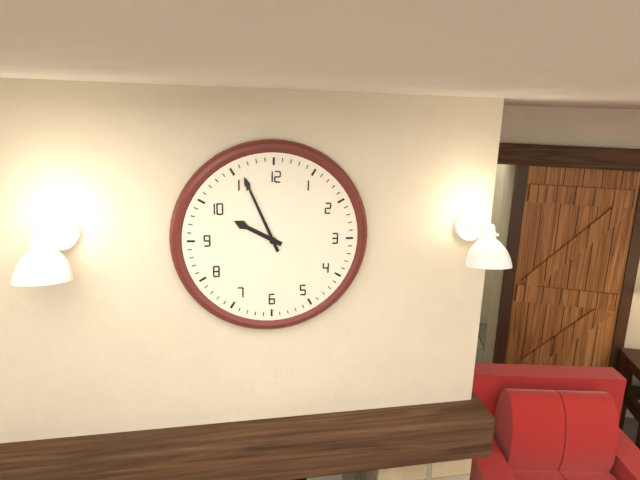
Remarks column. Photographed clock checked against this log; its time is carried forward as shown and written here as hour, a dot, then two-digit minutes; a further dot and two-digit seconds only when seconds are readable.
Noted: 9.56
